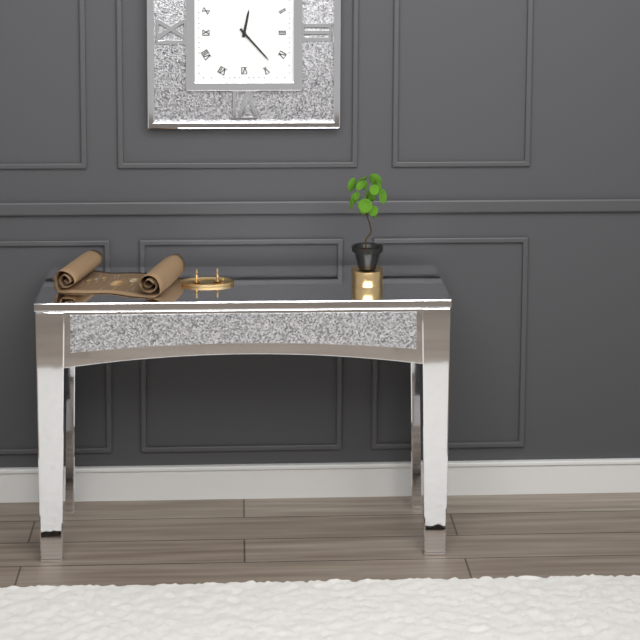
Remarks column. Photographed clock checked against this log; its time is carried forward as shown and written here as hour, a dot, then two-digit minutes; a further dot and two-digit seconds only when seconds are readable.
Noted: 12.23
